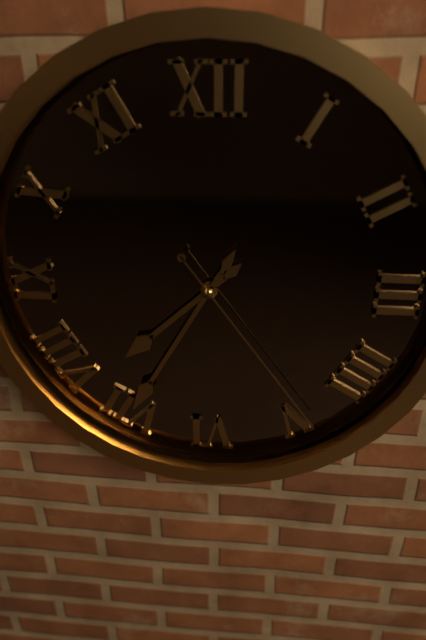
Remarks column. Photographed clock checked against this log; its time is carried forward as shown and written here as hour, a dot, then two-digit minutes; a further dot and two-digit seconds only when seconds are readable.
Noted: 7.35.24
